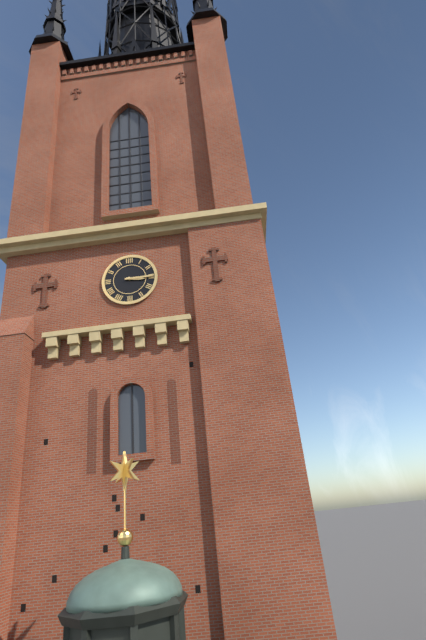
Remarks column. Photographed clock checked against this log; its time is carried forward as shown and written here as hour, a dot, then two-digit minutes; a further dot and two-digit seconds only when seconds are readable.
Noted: 3.15
